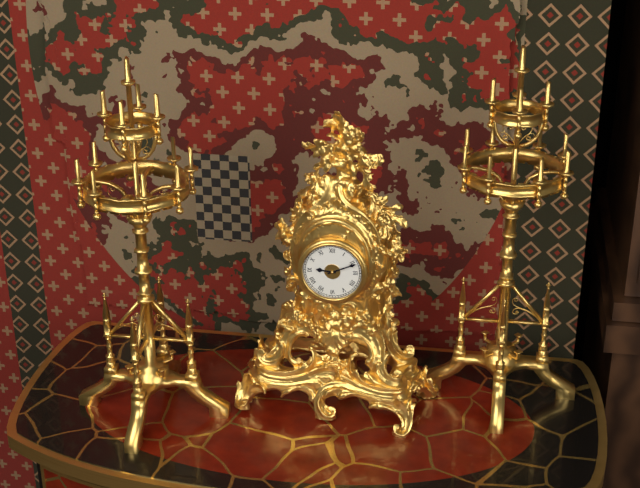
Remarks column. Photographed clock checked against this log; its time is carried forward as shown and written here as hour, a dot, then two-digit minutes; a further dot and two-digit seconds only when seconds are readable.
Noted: 9.11
